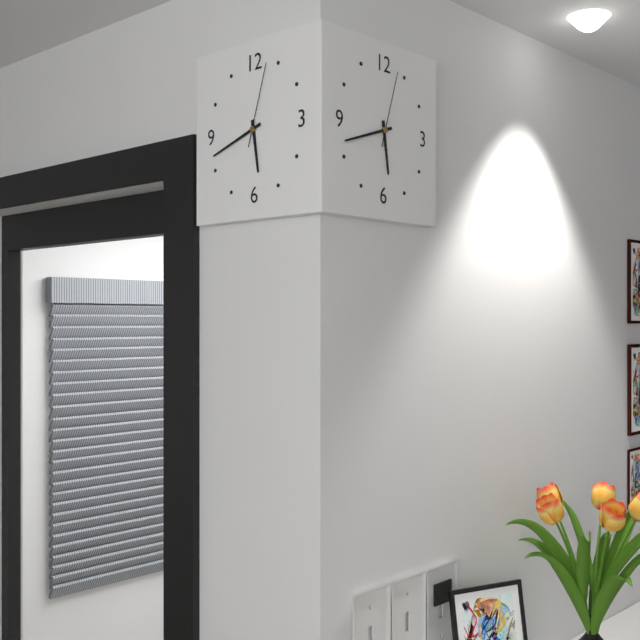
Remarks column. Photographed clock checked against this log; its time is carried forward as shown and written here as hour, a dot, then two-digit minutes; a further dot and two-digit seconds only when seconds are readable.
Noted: 5.42.03
